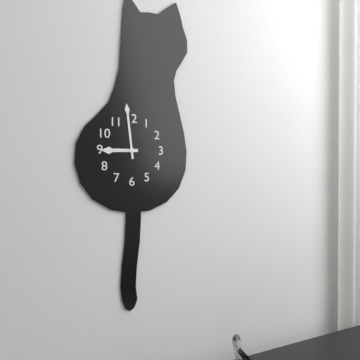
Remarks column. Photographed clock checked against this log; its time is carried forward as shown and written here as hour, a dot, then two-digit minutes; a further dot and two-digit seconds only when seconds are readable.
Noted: 8.59
